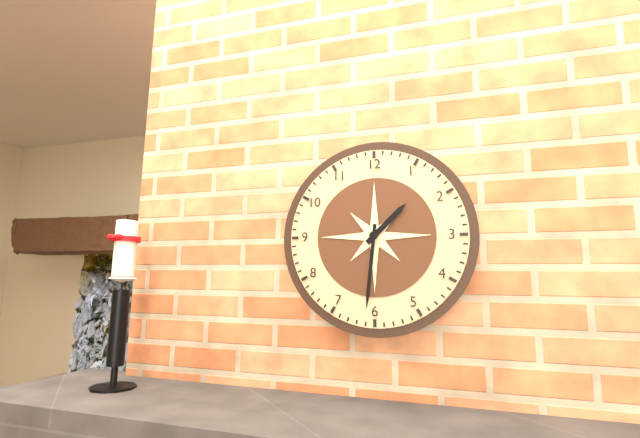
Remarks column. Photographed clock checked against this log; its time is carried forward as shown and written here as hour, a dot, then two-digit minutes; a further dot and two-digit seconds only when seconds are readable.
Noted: 1.31
